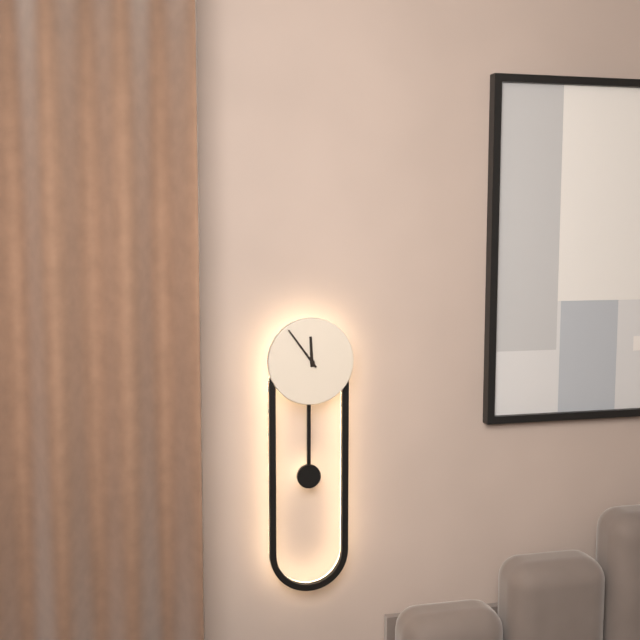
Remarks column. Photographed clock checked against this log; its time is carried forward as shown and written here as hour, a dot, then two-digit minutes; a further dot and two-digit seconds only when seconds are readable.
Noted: 11.54
